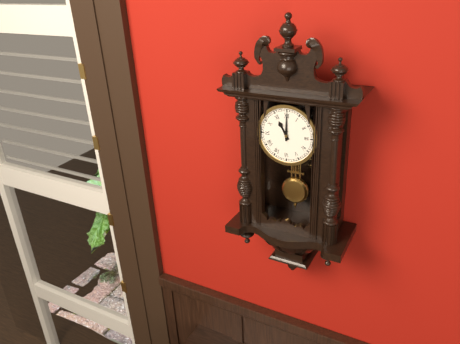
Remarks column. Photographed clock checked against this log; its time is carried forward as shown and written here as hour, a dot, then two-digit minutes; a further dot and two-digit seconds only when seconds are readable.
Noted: 11.00
